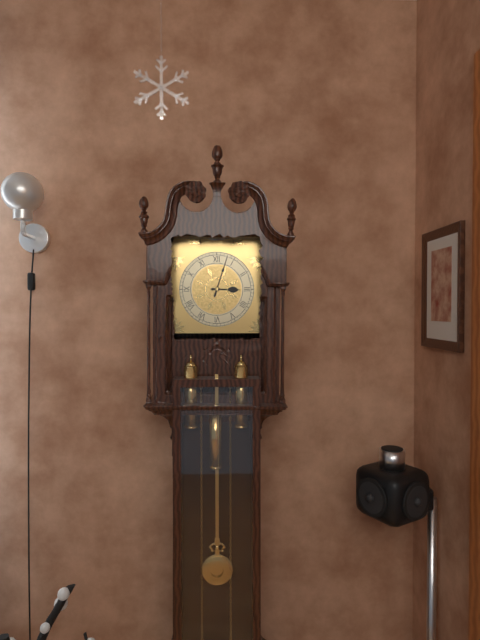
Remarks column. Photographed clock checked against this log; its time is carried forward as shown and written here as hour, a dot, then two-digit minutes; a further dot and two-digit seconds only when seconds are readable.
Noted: 3.03
